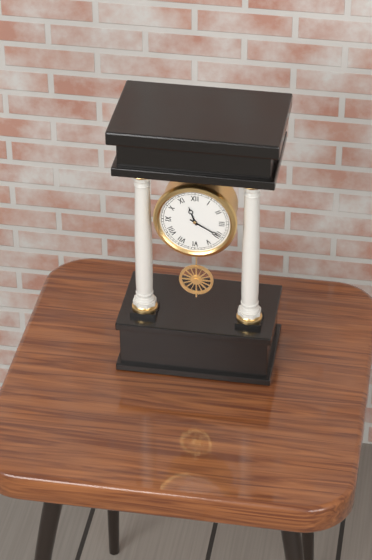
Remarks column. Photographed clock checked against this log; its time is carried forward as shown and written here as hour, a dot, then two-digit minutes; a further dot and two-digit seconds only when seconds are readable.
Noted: 11.20
